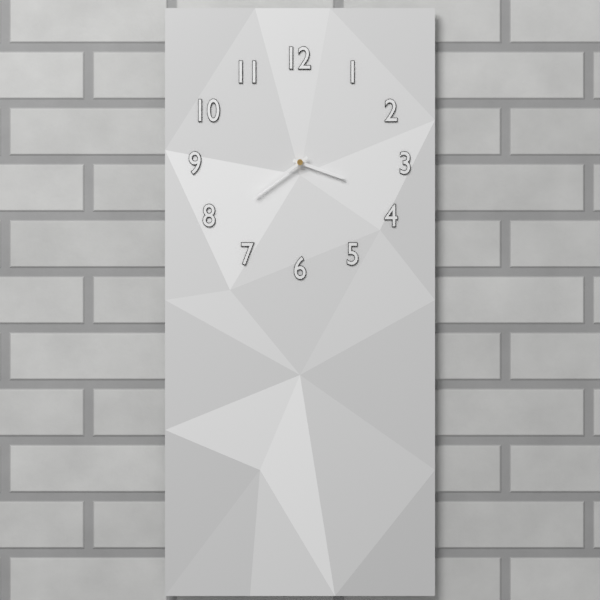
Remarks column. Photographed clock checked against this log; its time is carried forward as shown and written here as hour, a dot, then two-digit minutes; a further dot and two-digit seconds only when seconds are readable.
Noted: 3.39
